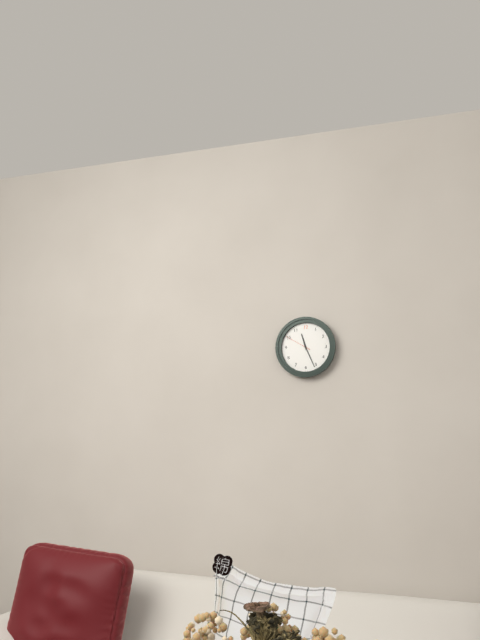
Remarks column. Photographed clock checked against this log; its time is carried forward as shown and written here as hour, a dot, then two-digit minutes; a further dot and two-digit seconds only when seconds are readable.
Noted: 11.26
